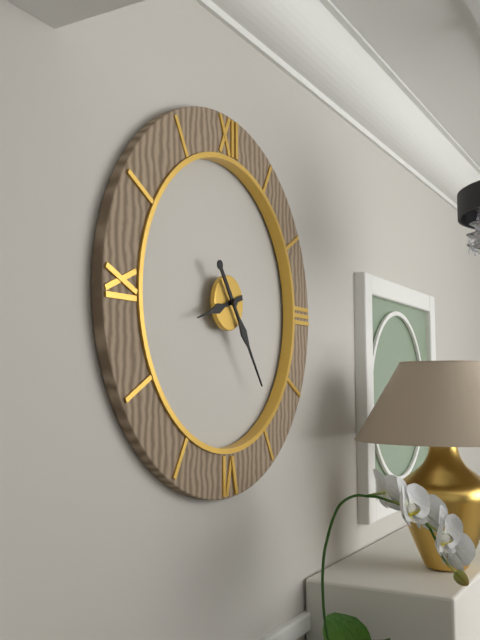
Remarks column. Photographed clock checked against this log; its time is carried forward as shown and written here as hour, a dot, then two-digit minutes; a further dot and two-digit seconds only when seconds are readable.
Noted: 8.24
